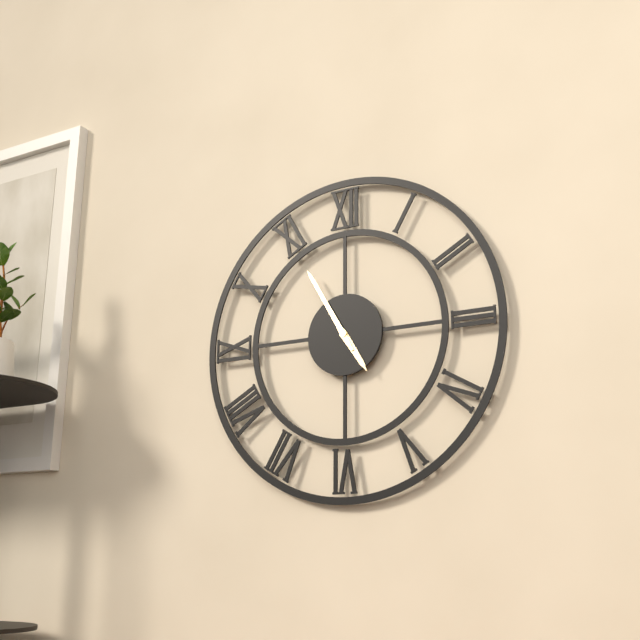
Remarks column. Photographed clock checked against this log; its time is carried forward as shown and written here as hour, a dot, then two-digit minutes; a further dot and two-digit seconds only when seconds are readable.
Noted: 4.55
